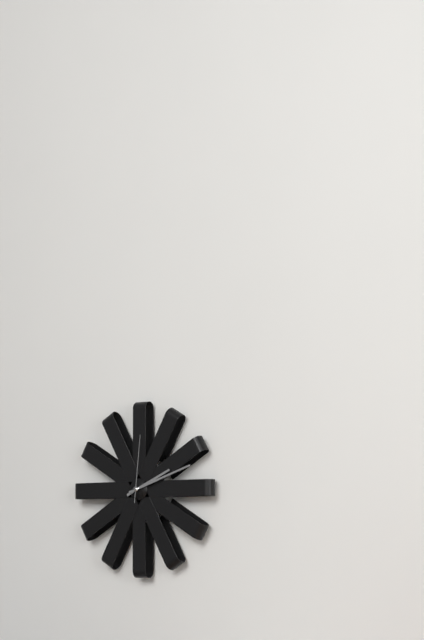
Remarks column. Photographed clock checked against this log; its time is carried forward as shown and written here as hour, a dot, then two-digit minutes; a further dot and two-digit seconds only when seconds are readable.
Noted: 2.12.01
